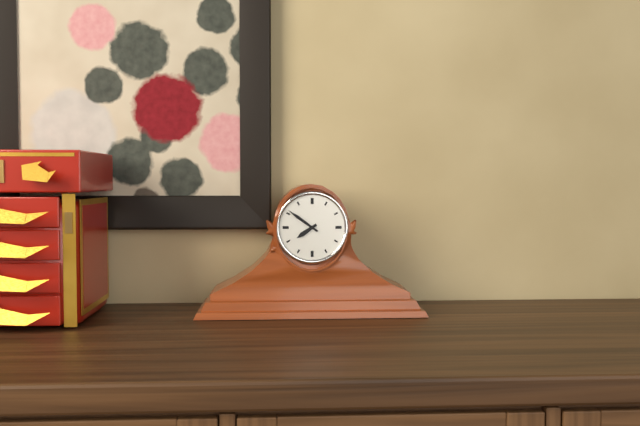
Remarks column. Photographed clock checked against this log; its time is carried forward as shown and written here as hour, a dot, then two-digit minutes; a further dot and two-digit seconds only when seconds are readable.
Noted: 7.51
